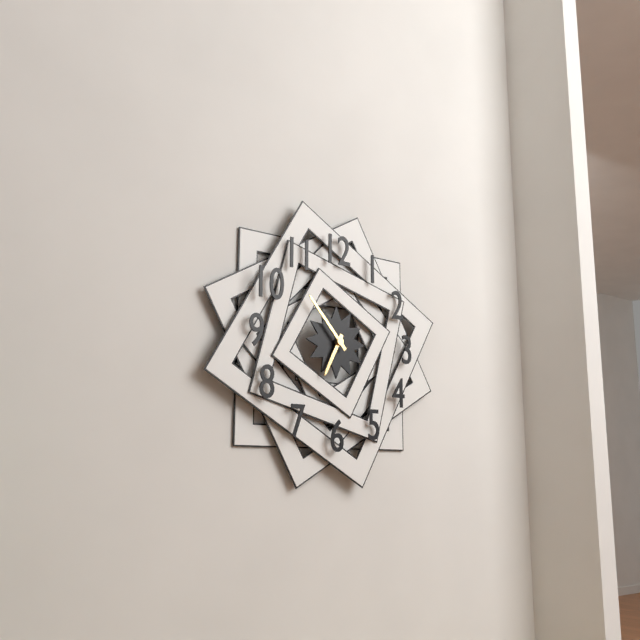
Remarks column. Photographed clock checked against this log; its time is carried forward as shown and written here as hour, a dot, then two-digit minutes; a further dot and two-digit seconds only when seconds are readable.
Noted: 6.53
